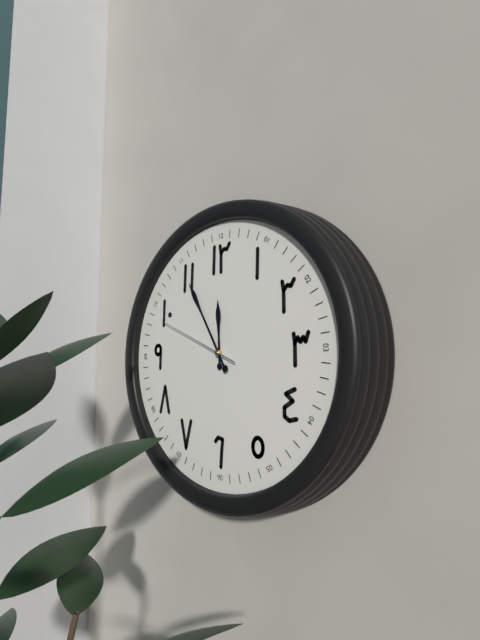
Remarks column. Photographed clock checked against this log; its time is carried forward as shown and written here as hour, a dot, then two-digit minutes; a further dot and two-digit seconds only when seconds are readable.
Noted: 11.55.49
